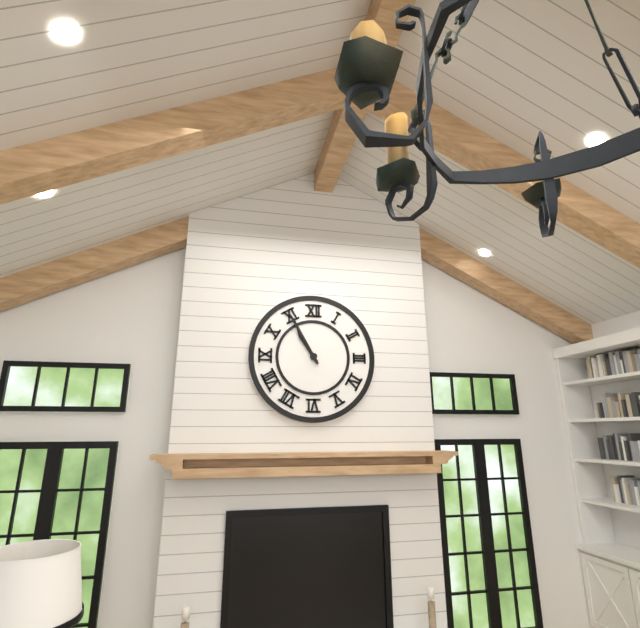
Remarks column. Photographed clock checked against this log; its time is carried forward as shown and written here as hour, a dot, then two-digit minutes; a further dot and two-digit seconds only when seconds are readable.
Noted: 10.55
